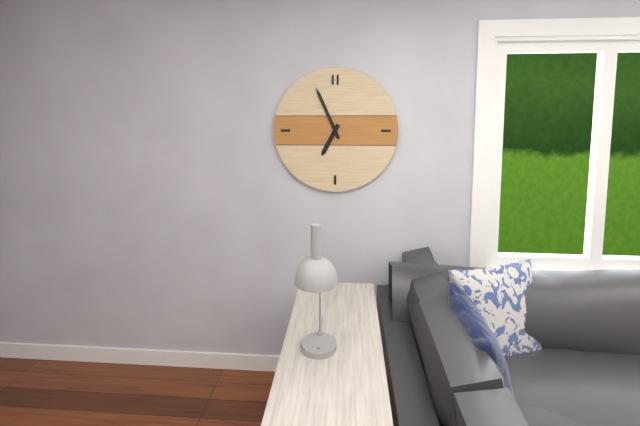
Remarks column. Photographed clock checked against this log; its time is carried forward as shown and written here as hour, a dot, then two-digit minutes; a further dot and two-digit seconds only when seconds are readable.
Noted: 6.56
